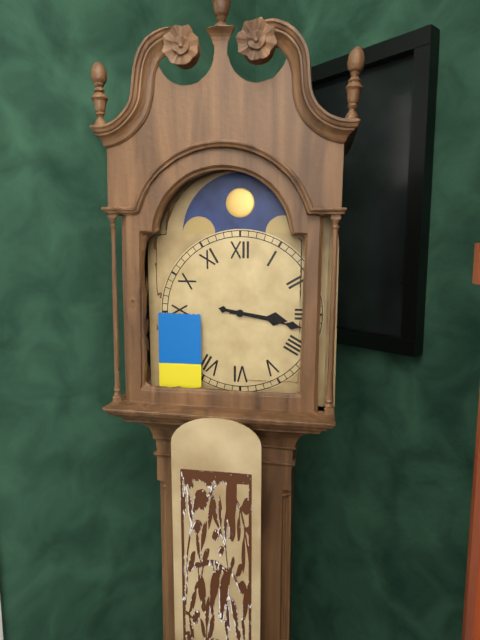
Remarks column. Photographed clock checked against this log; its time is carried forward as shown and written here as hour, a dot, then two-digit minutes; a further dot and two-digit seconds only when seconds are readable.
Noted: 3.17
